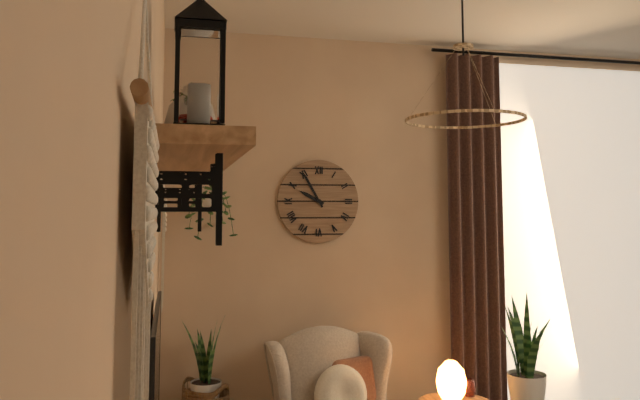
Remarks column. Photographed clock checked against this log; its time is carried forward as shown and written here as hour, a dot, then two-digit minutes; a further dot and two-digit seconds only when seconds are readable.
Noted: 9.55
